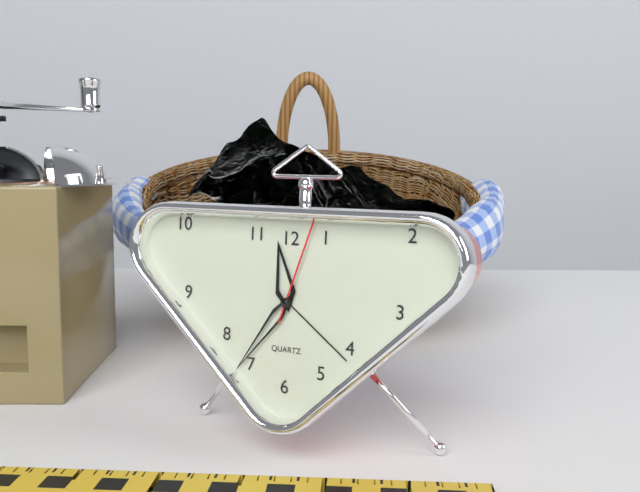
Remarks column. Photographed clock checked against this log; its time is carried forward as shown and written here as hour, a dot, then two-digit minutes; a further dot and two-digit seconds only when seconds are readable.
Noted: 11.36.03
